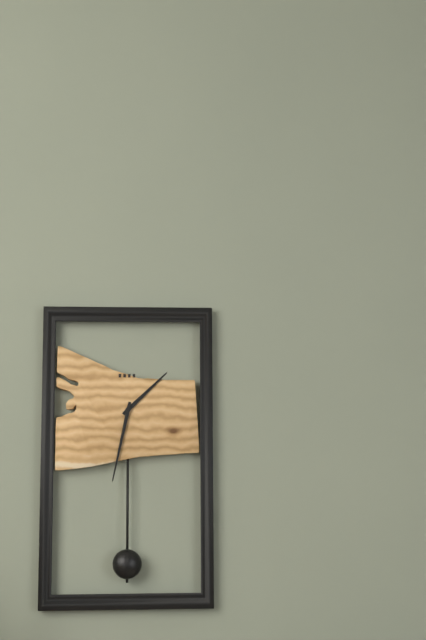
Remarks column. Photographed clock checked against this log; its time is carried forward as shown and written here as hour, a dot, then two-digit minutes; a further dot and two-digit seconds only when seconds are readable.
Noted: 1.32
